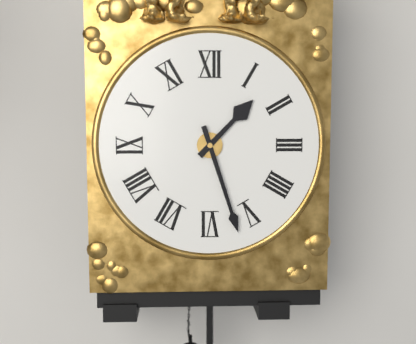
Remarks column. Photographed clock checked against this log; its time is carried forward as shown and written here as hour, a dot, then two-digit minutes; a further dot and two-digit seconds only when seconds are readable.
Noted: 1.27
